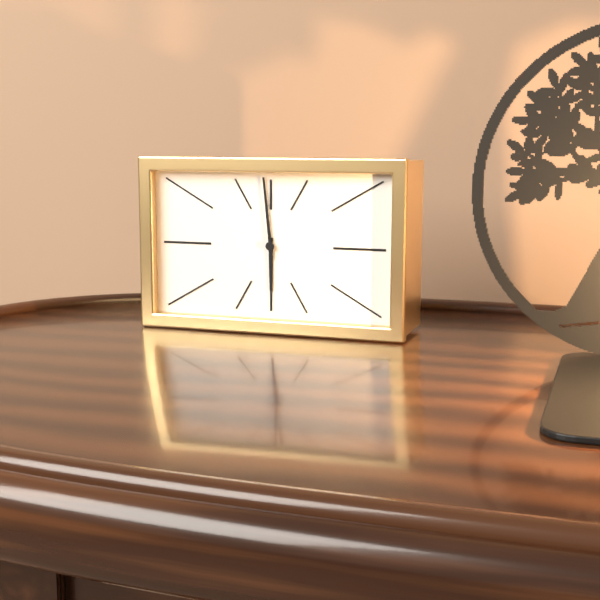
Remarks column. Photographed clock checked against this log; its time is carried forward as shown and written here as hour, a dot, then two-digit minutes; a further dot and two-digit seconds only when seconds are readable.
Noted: 5.59
